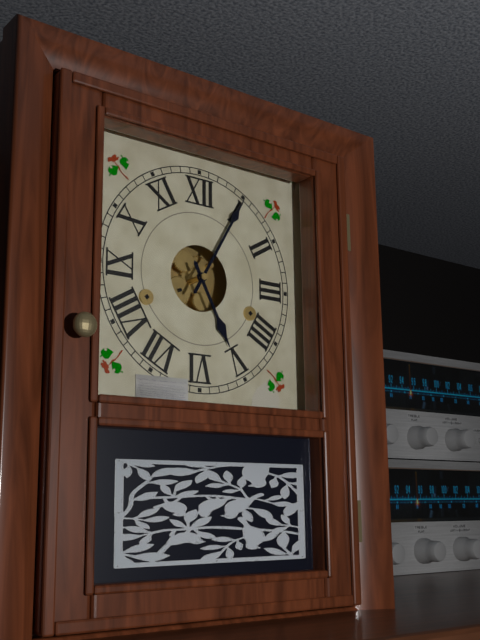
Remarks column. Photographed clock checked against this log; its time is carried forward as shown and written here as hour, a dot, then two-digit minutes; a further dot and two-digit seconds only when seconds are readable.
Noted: 5.05
